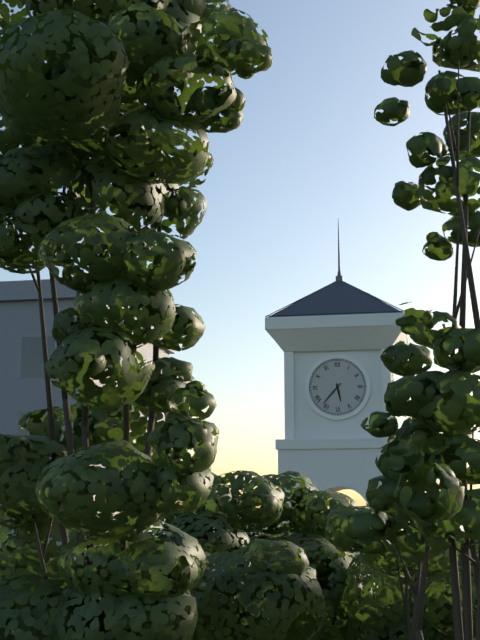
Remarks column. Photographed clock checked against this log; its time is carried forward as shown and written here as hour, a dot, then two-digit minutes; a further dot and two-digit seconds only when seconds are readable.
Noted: 5.37
